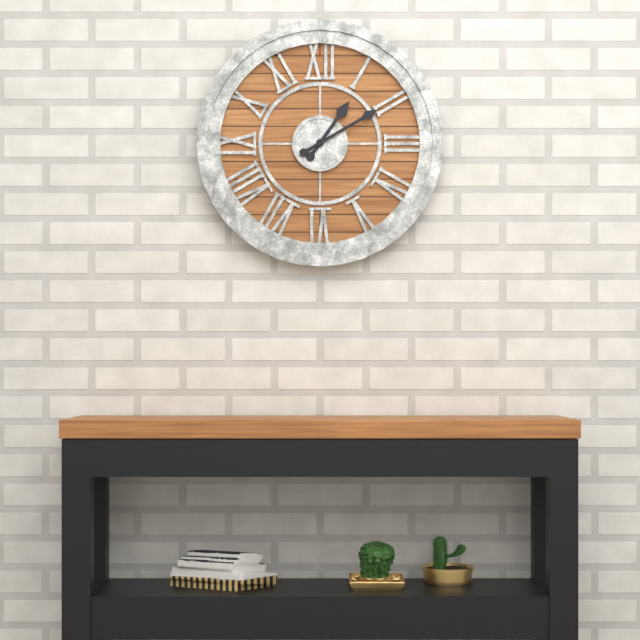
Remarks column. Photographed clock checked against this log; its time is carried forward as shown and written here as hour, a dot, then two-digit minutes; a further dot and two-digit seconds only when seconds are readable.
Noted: 1.10
